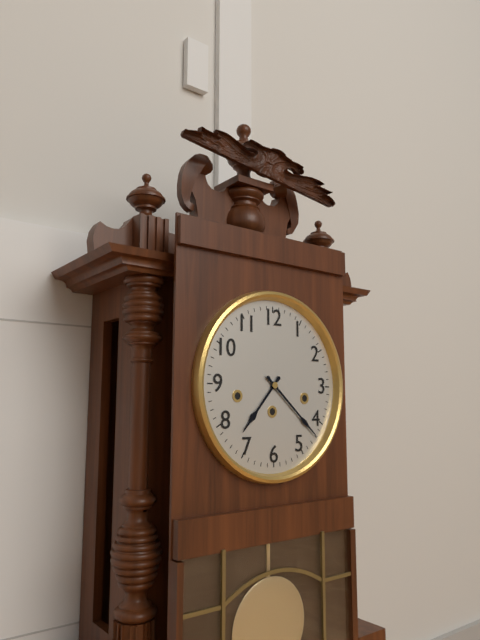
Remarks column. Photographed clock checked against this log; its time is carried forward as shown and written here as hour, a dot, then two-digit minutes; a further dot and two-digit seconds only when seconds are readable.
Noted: 7.22
